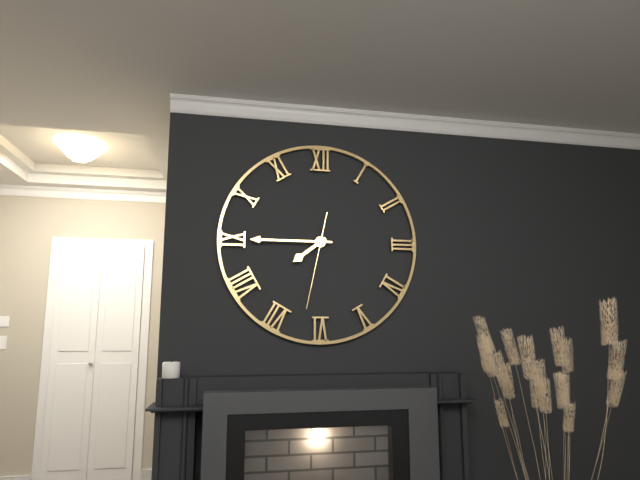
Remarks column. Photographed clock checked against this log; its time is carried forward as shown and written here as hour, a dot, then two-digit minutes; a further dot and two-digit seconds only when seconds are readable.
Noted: 7.45.32
